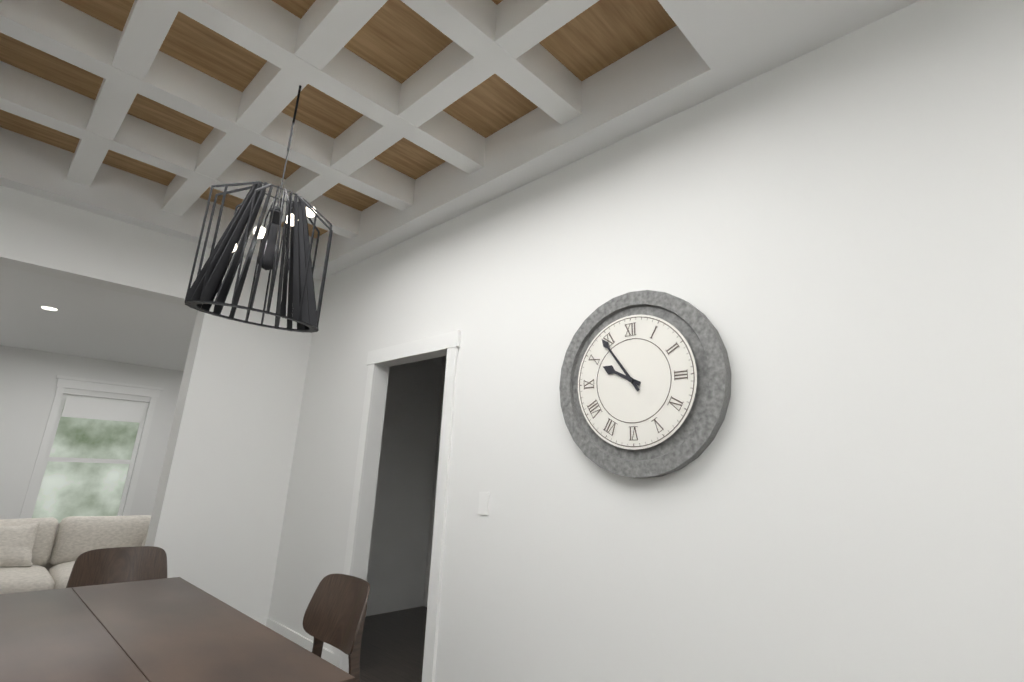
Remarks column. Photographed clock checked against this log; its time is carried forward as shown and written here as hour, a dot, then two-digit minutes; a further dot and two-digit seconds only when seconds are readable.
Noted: 9.54
